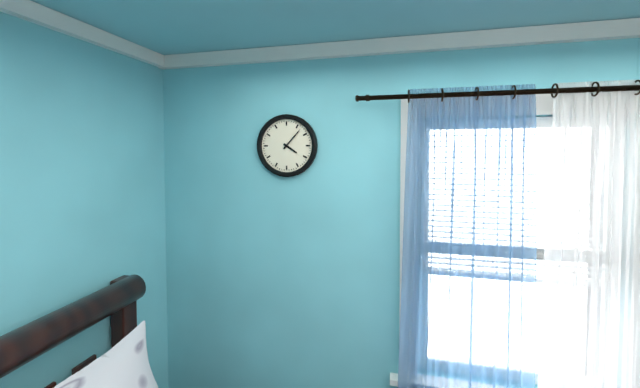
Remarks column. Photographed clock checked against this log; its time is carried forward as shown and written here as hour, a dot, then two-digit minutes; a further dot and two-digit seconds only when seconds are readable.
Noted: 4.07
